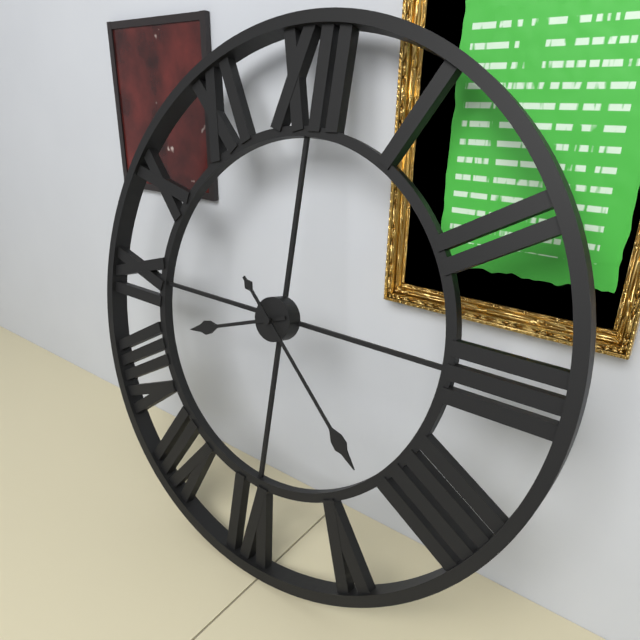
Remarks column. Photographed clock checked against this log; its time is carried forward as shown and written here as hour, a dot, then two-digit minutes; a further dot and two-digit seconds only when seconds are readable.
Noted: 8.22
